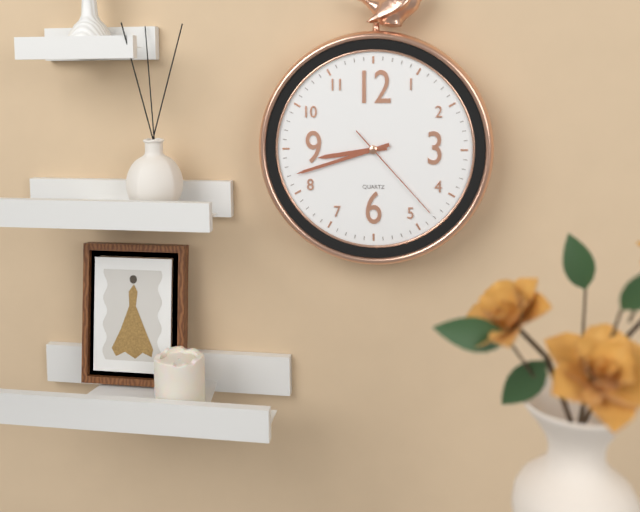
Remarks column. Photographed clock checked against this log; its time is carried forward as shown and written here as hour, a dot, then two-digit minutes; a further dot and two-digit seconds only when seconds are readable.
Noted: 8.42.23
